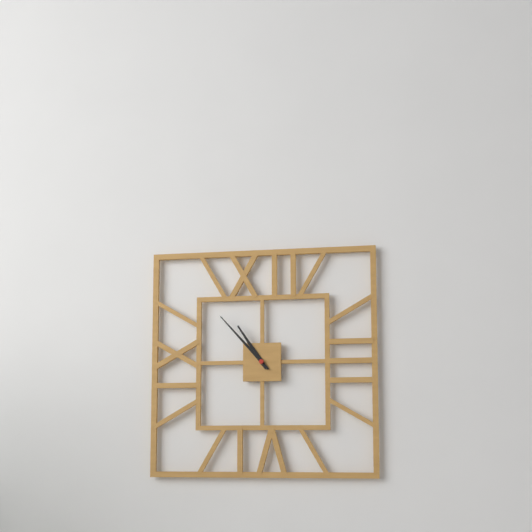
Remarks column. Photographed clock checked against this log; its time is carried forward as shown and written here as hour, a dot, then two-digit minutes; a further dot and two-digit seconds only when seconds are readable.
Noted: 10.53
